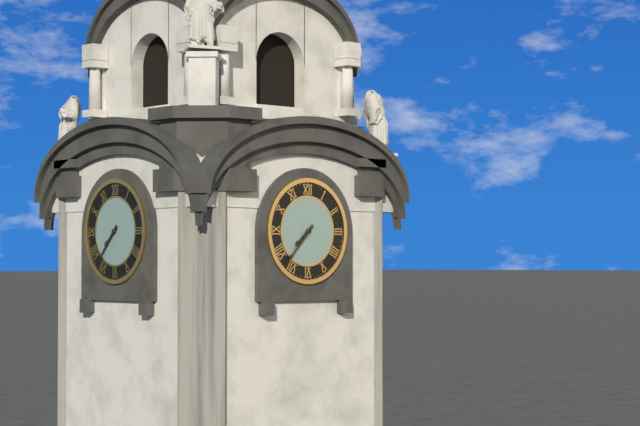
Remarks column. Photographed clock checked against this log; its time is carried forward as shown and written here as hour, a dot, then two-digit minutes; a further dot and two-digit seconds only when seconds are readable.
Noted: 7.37
